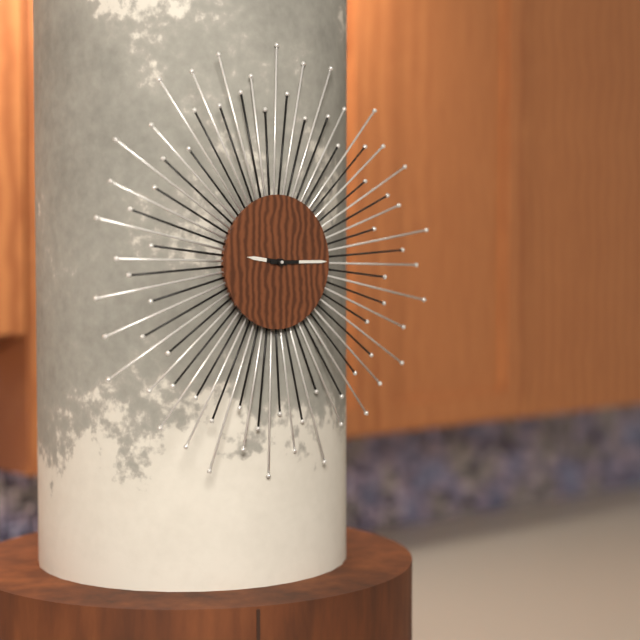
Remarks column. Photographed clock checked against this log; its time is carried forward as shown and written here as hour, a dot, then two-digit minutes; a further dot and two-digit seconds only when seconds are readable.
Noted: 9.15
